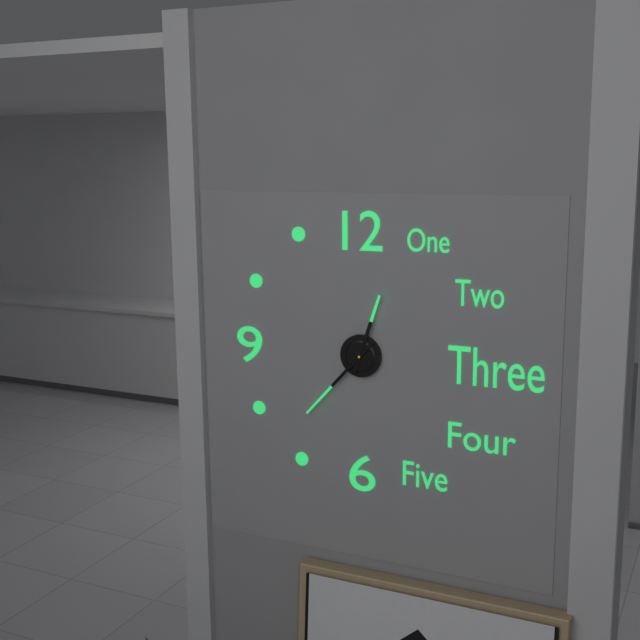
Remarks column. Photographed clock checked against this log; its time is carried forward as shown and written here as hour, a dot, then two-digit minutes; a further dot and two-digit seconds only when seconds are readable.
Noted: 12.37
